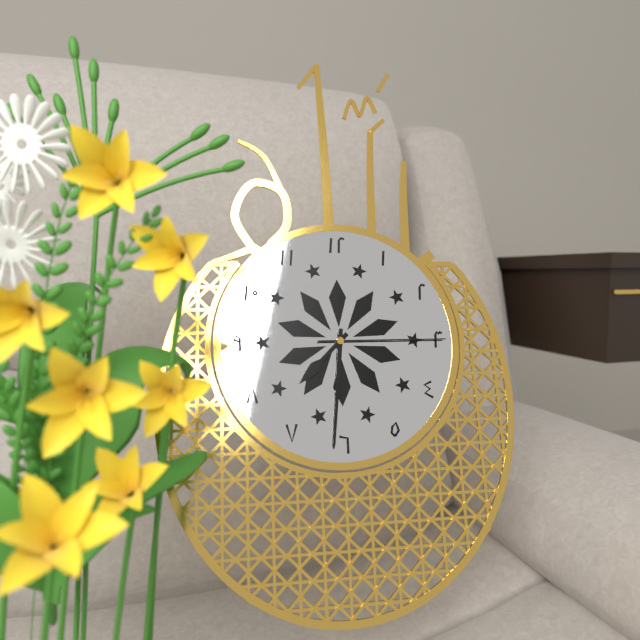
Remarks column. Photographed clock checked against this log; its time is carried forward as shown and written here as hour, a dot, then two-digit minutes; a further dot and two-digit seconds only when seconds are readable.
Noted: 7.31.15
